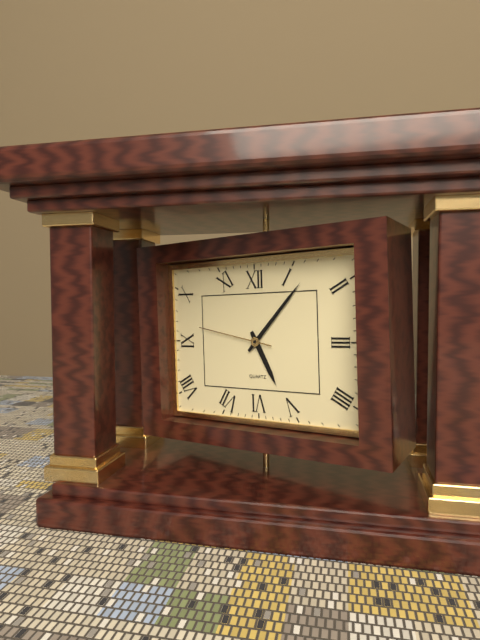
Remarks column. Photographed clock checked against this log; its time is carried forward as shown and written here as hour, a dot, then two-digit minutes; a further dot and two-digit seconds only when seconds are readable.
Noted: 5.07.47
